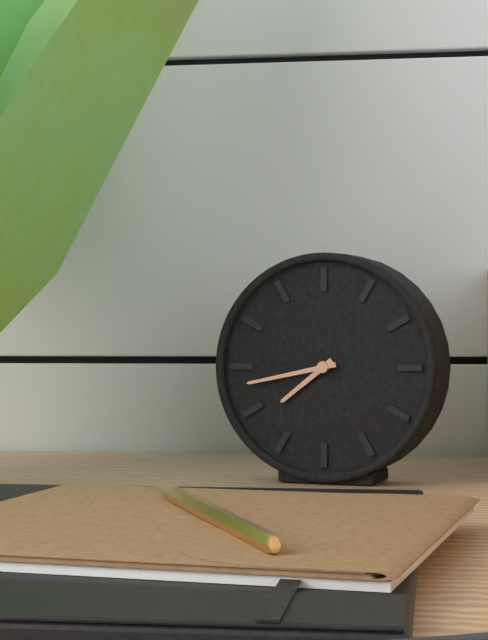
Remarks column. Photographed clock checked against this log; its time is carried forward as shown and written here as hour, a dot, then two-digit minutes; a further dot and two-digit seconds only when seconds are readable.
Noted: 7.43
